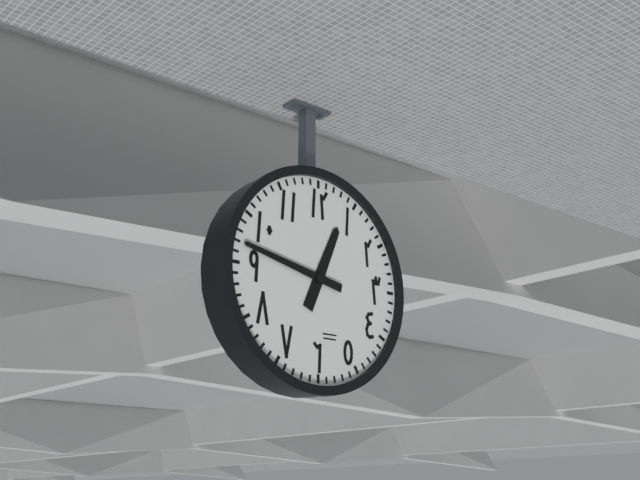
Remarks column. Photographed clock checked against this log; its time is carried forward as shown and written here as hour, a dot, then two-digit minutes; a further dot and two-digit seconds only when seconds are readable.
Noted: 12.47
